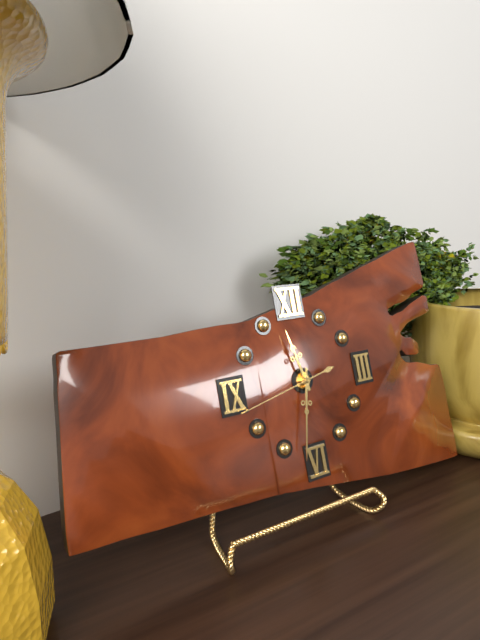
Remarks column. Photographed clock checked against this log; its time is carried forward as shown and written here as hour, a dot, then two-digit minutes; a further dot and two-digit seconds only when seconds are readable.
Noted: 11.32.43
